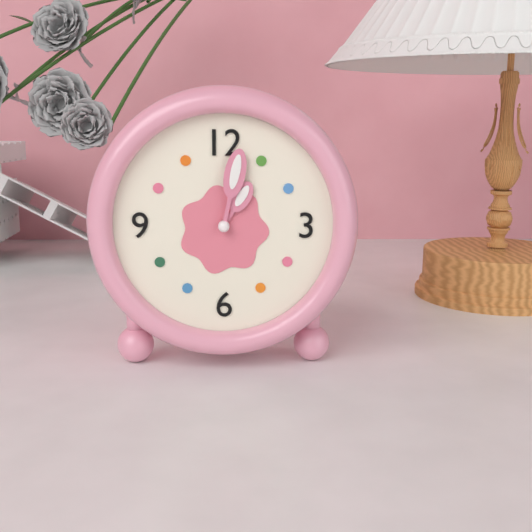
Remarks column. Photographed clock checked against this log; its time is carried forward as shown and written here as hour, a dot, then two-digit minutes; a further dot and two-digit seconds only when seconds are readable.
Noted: 1.02
